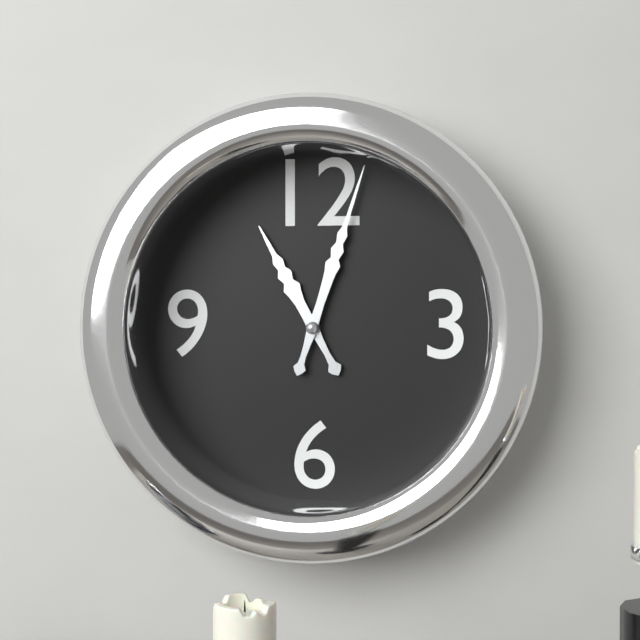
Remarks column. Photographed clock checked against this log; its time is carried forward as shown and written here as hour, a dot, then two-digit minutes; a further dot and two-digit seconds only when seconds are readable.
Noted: 11.03
